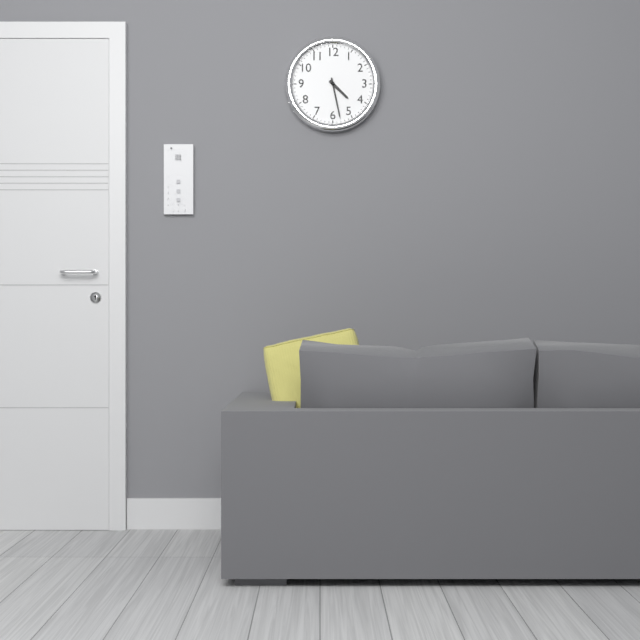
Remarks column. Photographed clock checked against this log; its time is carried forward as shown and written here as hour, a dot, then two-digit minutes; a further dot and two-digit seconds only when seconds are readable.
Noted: 4.28
